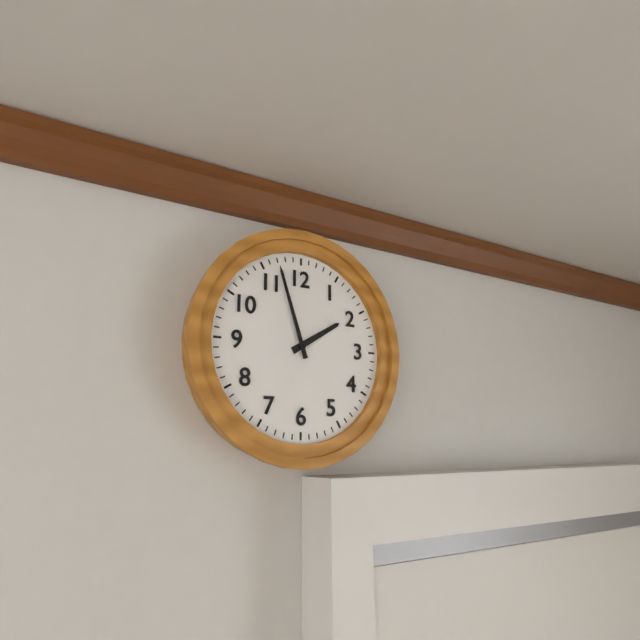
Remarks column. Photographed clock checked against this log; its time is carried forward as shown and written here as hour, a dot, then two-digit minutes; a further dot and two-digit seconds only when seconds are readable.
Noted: 1.57
